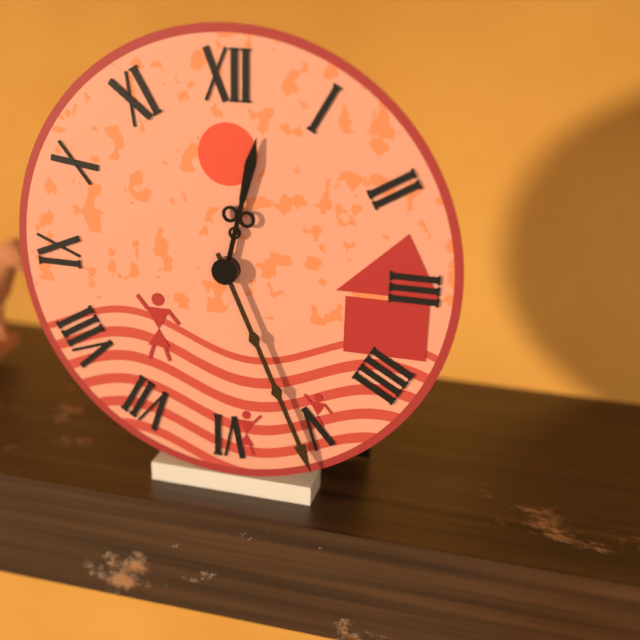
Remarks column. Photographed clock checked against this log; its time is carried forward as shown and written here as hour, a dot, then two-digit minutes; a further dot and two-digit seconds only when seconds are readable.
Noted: 12.26
